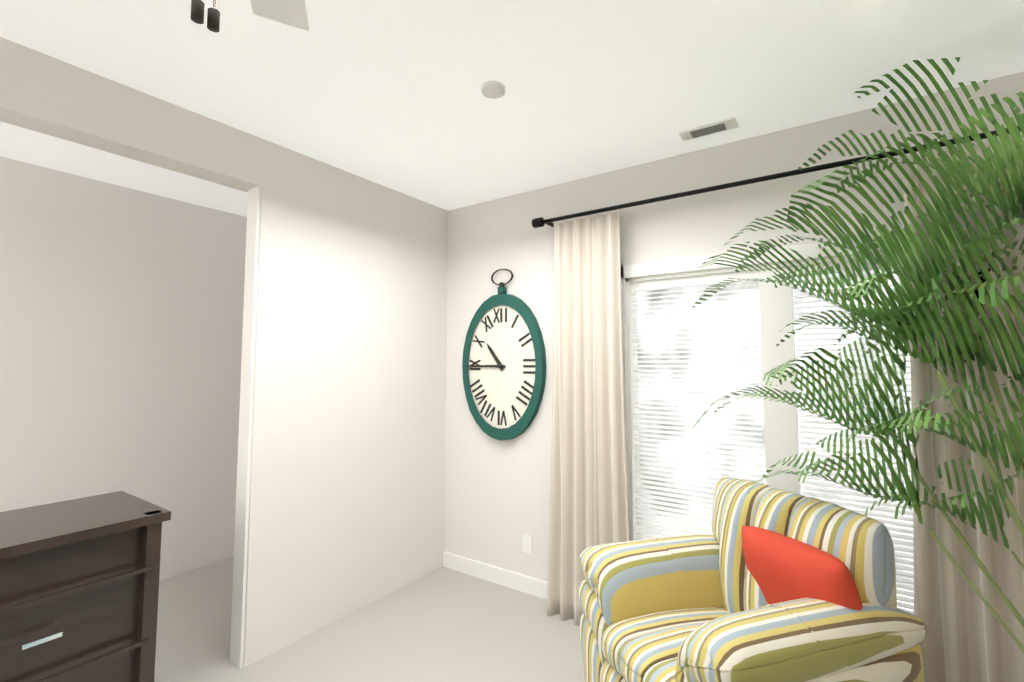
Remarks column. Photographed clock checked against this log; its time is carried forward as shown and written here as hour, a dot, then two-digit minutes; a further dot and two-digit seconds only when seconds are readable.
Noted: 10.45
